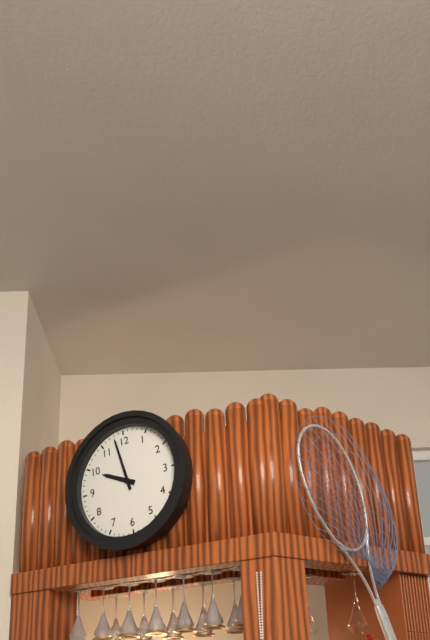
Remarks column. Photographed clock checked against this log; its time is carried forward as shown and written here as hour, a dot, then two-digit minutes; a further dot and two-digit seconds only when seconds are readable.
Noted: 9.58
